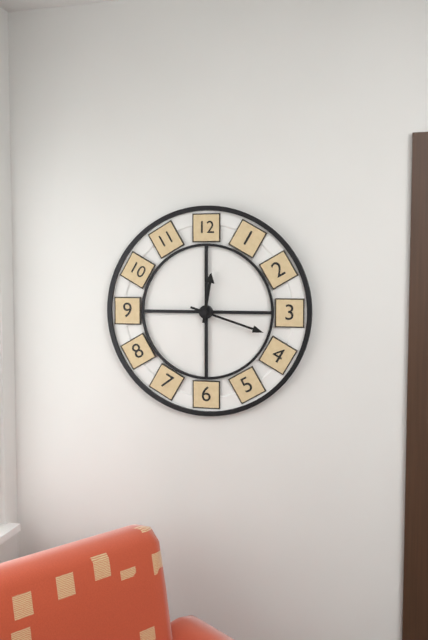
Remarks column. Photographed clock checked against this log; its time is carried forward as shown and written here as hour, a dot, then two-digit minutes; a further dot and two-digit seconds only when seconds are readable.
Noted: 12.18
